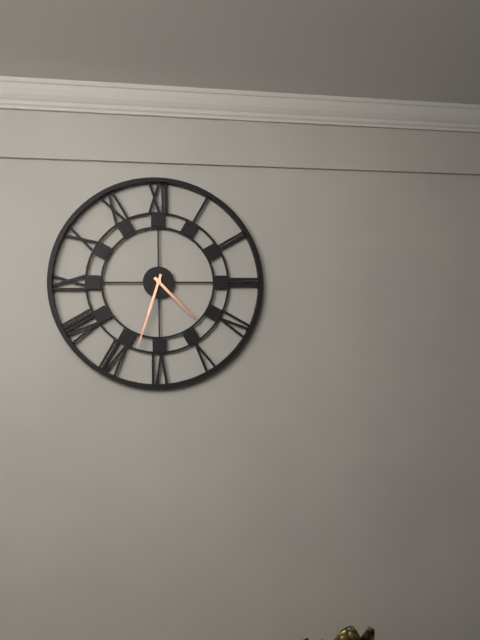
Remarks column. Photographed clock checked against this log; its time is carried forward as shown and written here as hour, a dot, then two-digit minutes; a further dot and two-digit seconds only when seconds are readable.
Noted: 4.33
